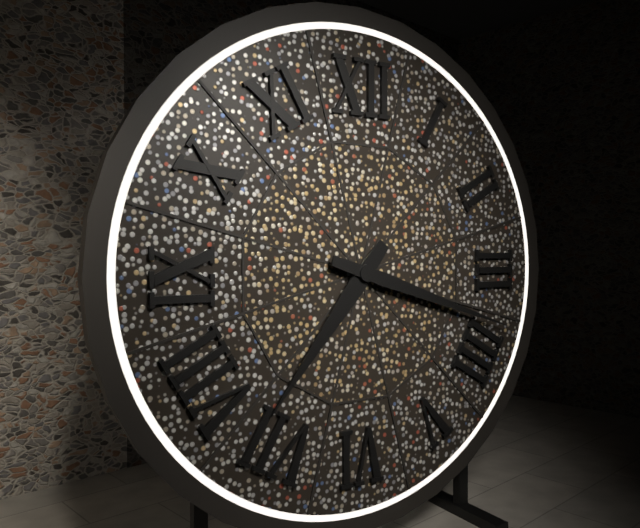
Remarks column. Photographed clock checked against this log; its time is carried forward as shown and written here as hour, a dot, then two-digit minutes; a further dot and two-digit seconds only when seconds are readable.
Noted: 7.18
